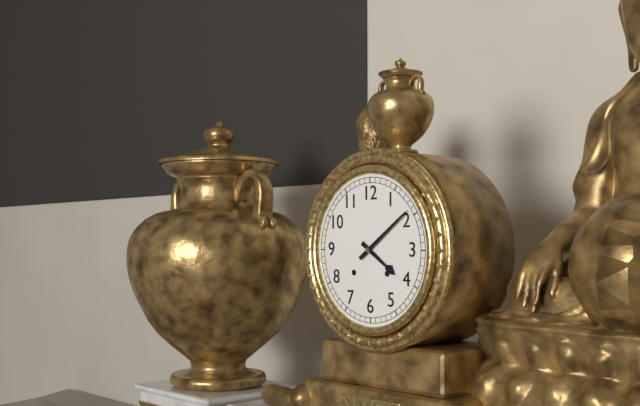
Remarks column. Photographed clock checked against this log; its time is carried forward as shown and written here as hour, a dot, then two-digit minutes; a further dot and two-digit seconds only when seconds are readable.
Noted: 4.09
